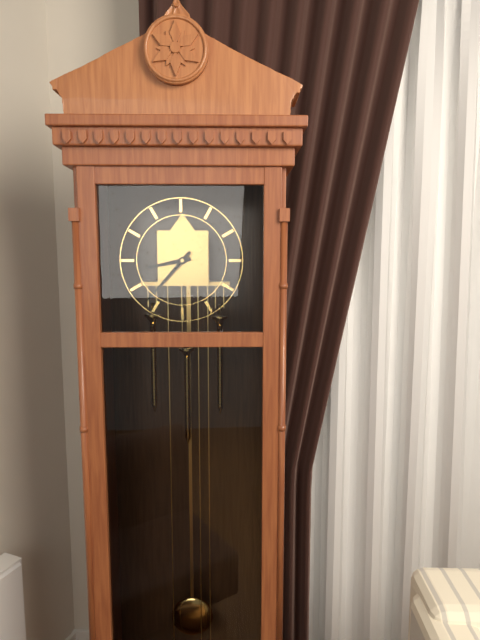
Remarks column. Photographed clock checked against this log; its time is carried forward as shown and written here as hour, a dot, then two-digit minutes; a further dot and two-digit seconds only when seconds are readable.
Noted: 8.37
